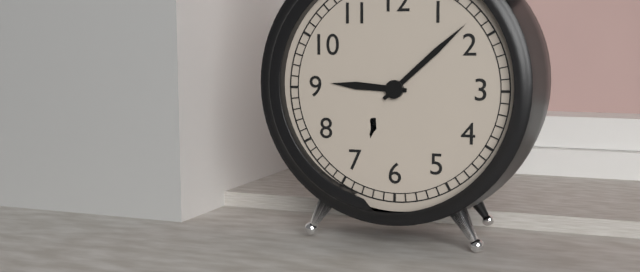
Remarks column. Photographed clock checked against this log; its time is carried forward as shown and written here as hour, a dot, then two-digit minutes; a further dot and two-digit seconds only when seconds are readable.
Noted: 9.08
